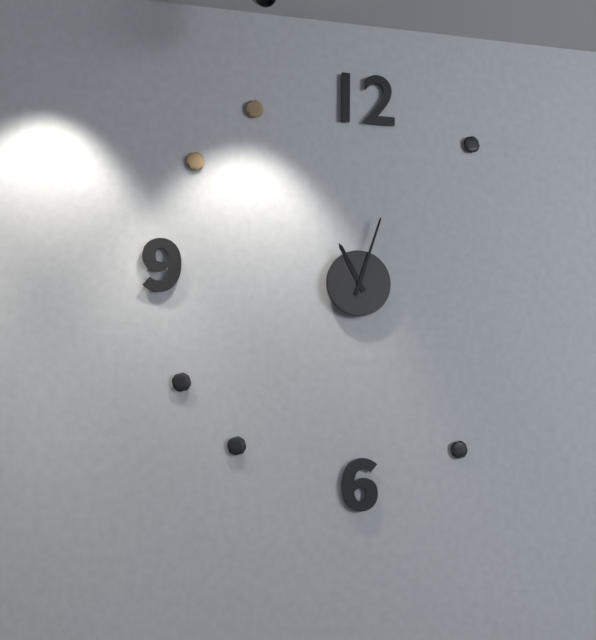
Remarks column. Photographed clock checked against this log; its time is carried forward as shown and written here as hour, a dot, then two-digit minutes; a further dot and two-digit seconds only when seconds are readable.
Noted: 11.03
